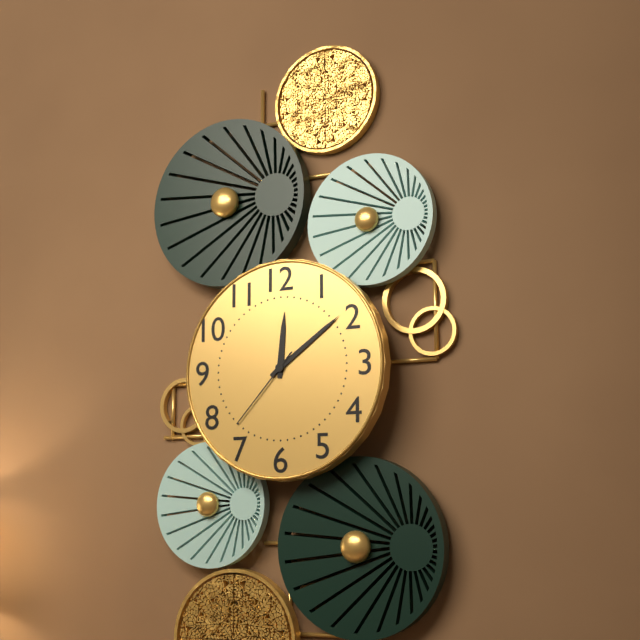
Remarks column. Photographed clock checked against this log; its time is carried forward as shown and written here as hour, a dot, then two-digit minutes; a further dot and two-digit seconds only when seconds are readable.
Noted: 12.09.37
